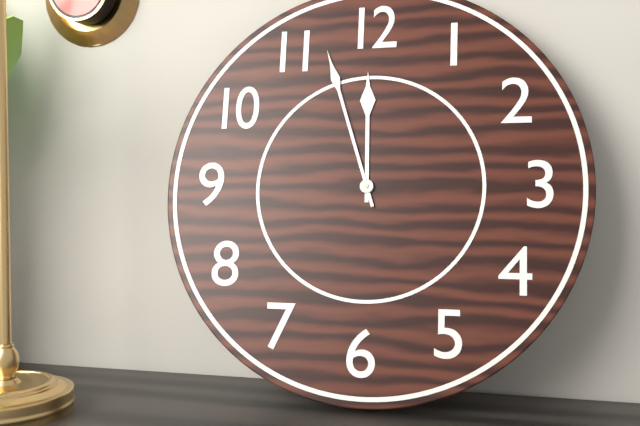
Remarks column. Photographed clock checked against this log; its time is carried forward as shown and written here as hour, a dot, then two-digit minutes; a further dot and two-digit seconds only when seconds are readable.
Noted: 11.57
